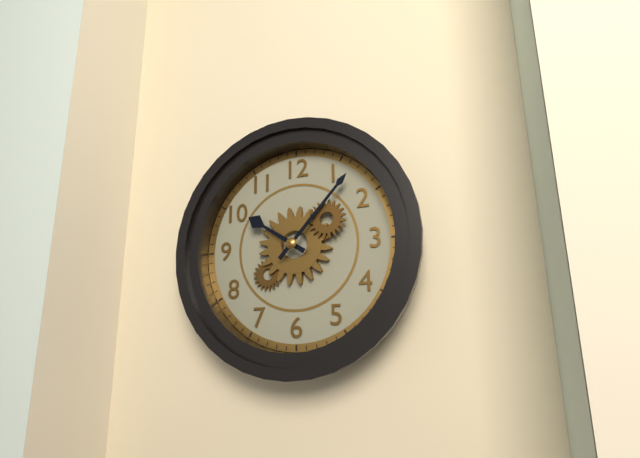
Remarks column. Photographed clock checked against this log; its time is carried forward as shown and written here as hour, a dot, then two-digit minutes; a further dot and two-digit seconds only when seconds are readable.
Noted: 10.07
